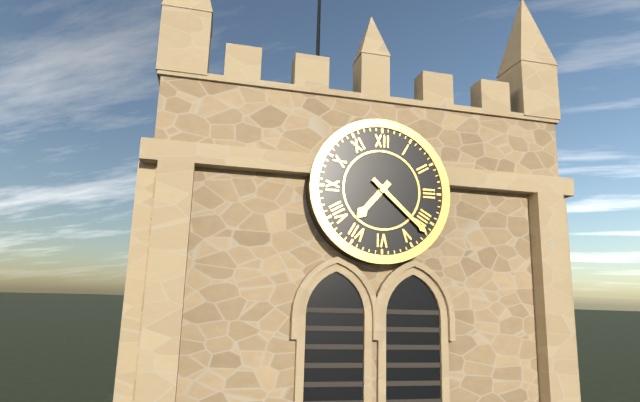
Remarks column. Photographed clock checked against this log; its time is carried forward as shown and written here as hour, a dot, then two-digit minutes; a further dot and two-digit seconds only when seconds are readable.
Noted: 7.22
